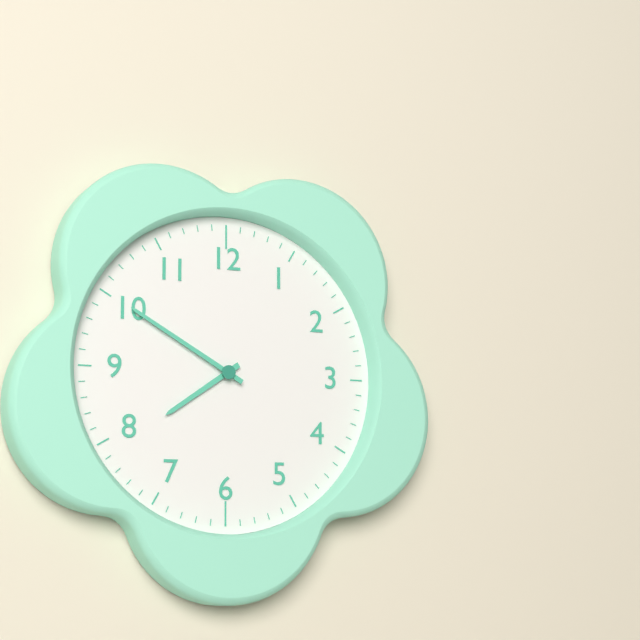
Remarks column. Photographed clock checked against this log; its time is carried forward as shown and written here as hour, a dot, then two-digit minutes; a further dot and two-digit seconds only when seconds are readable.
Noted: 7.50
